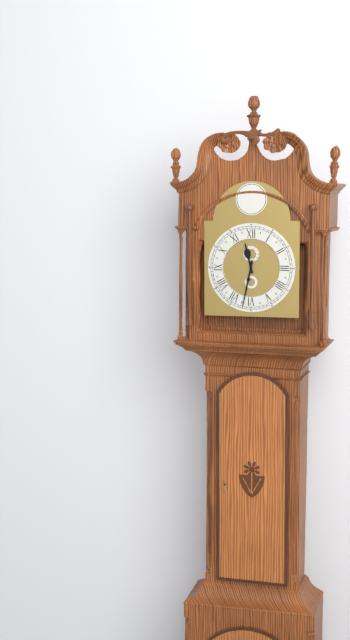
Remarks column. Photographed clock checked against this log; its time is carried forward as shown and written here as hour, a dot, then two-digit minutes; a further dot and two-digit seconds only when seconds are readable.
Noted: 11.32
